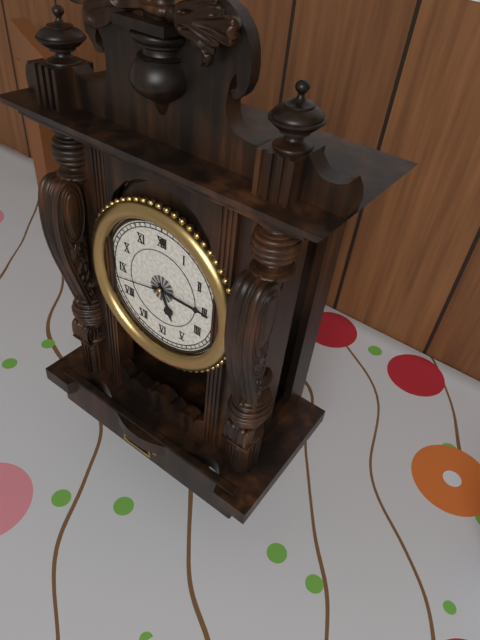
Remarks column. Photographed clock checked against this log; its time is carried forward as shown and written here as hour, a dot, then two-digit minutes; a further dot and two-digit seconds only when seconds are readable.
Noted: 5.15.43
